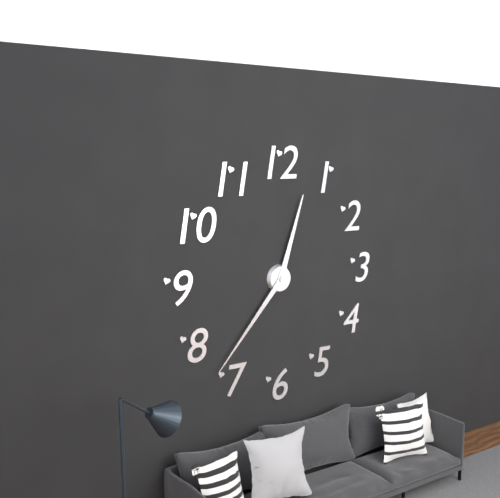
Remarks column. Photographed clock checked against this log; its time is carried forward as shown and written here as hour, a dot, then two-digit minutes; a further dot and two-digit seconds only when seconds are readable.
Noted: 12.37
